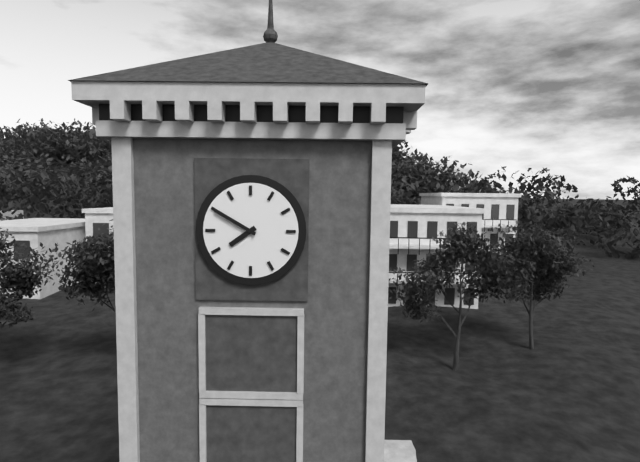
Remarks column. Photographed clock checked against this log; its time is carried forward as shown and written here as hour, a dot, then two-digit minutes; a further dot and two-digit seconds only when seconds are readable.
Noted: 7.50
